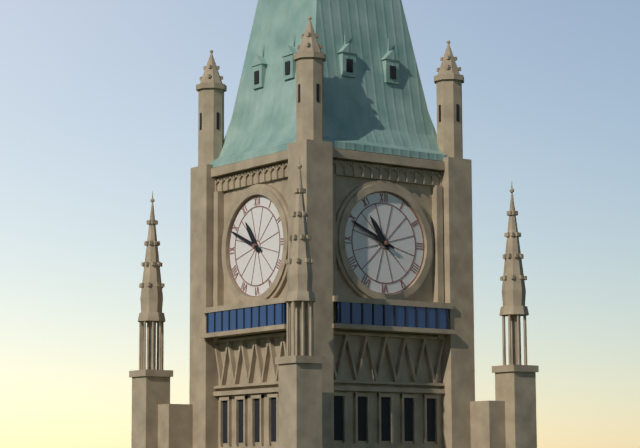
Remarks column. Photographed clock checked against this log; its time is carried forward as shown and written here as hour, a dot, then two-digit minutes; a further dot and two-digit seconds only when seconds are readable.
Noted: 10.49
